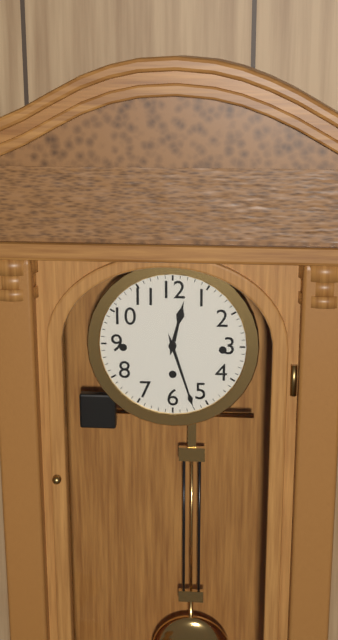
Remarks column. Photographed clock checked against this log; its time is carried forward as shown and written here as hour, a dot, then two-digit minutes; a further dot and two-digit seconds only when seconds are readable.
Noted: 12.27
